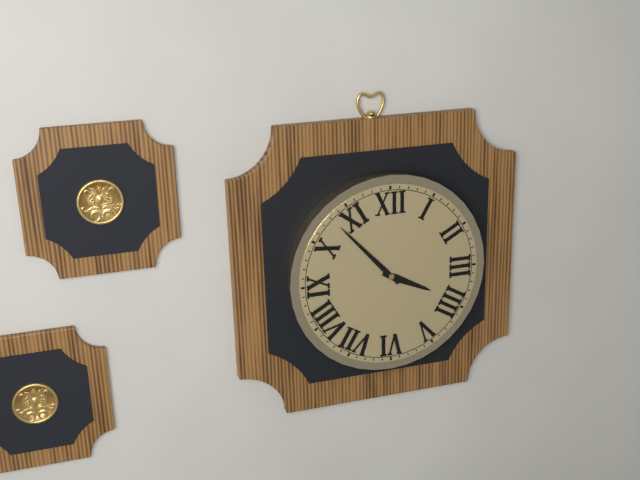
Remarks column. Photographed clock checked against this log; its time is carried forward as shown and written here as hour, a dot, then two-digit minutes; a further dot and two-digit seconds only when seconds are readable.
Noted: 3.53
